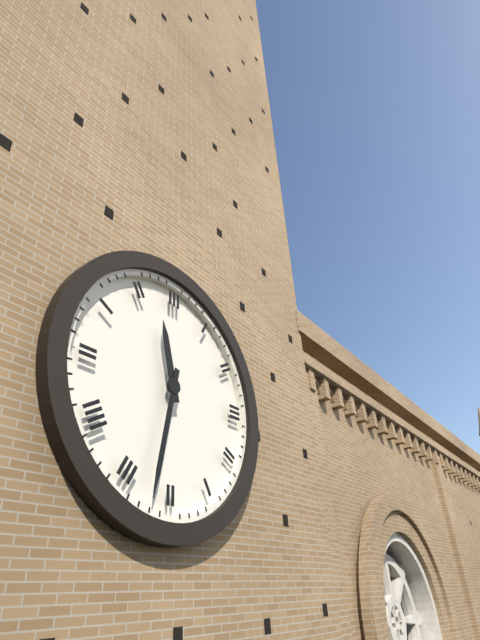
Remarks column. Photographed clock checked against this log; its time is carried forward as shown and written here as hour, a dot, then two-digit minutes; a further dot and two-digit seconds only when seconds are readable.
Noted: 11.32
